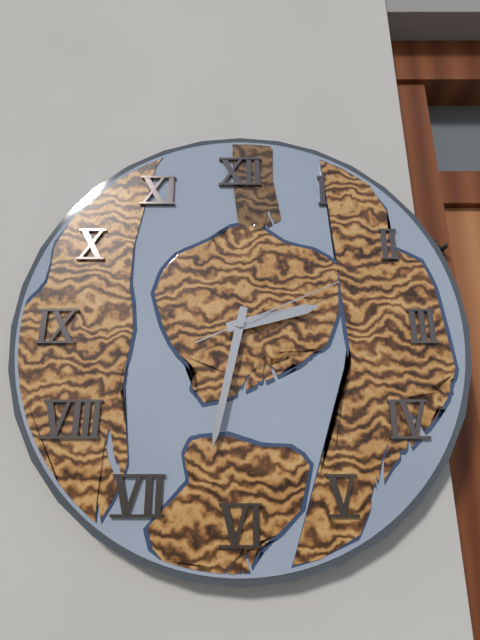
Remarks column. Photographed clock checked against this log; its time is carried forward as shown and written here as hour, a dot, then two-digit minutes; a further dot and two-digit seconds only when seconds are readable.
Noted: 2.32.11
